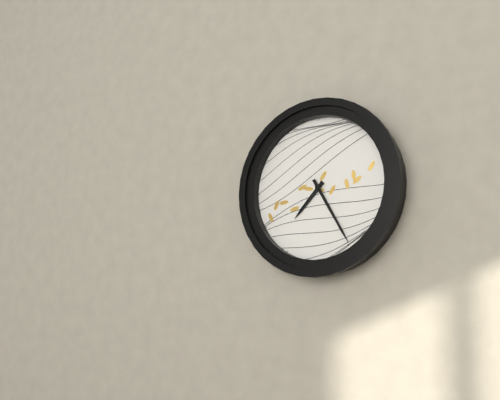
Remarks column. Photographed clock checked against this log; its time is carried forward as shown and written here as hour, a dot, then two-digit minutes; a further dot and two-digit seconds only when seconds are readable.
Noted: 7.25
